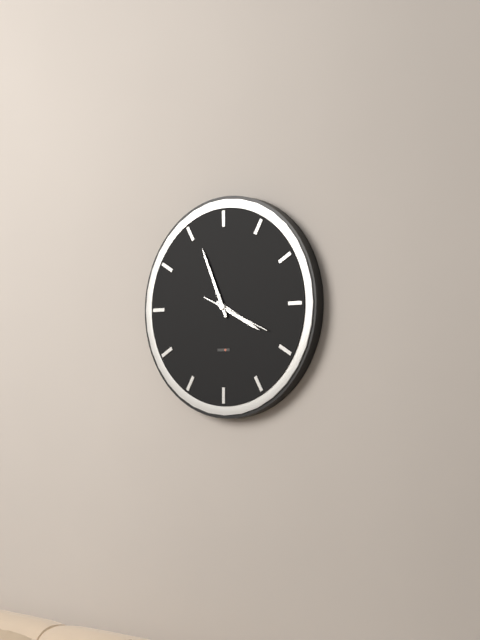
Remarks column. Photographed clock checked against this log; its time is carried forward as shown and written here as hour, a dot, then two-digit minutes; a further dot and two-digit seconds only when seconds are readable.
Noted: 3.56.19
